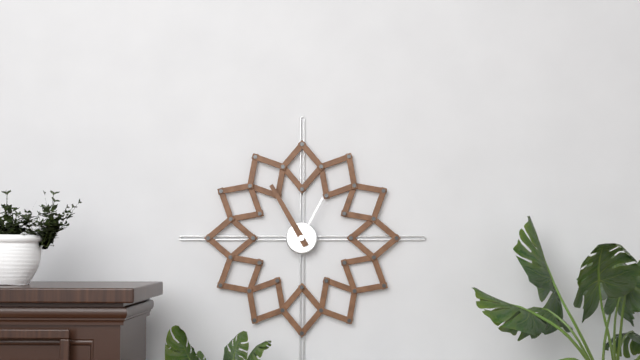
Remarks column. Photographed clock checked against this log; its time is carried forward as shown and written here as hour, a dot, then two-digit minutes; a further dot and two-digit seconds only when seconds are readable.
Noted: 12.55
